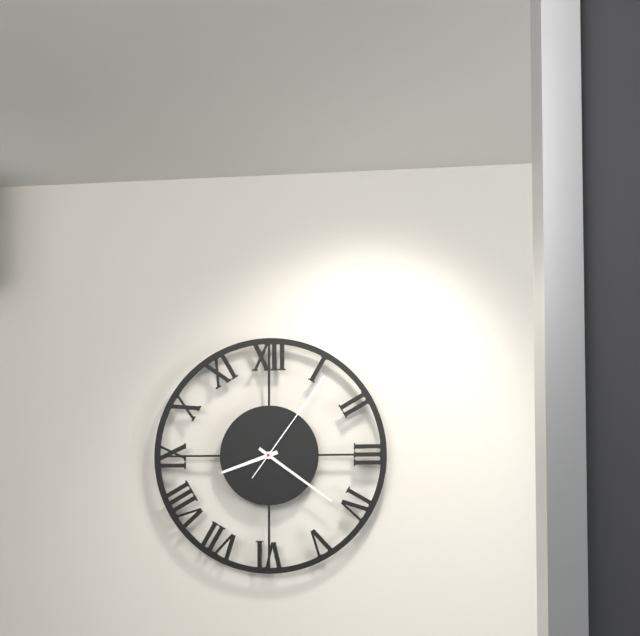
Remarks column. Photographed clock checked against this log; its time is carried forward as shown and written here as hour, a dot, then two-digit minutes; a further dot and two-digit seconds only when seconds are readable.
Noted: 8.21.06
